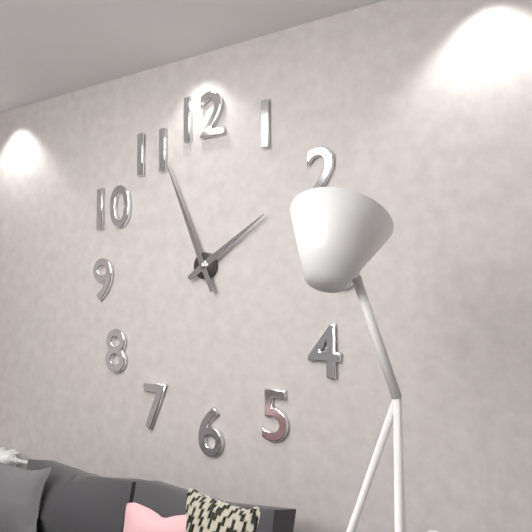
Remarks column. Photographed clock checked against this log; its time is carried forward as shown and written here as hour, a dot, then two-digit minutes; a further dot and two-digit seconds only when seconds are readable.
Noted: 1.56
